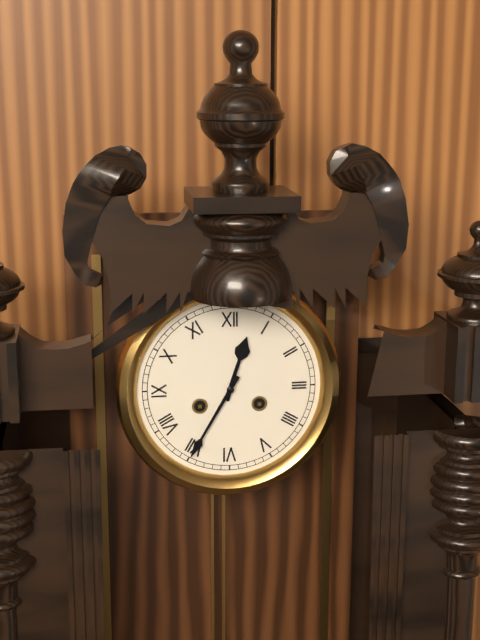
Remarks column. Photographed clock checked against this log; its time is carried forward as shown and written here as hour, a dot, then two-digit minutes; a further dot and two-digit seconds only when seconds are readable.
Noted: 12.35
